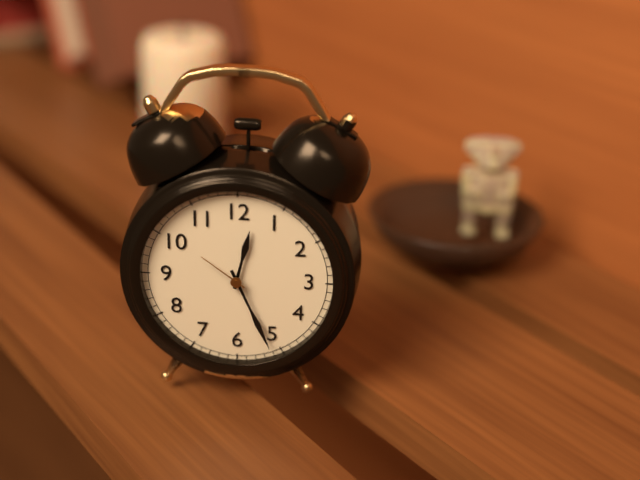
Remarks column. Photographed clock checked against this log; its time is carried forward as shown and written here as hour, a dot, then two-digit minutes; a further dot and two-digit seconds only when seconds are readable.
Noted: 12.26.51
